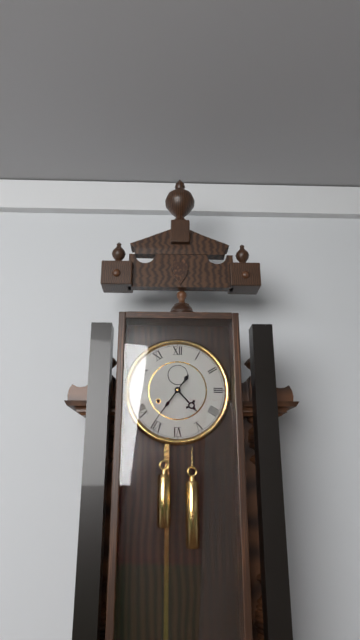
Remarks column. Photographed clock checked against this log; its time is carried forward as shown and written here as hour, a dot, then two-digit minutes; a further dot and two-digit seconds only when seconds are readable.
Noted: 4.36
